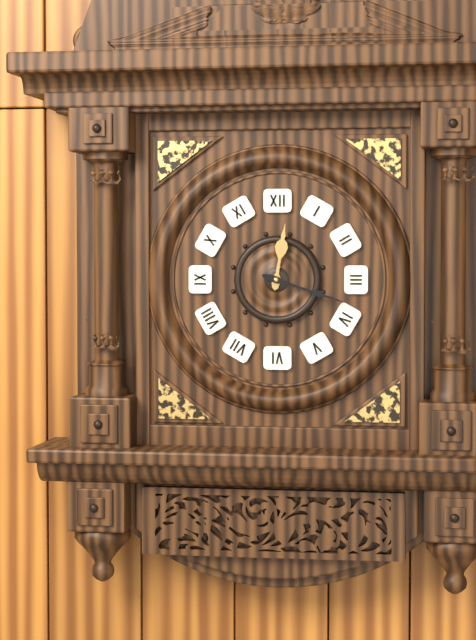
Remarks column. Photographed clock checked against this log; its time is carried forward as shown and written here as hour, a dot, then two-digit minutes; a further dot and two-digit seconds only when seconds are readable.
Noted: 12.18
